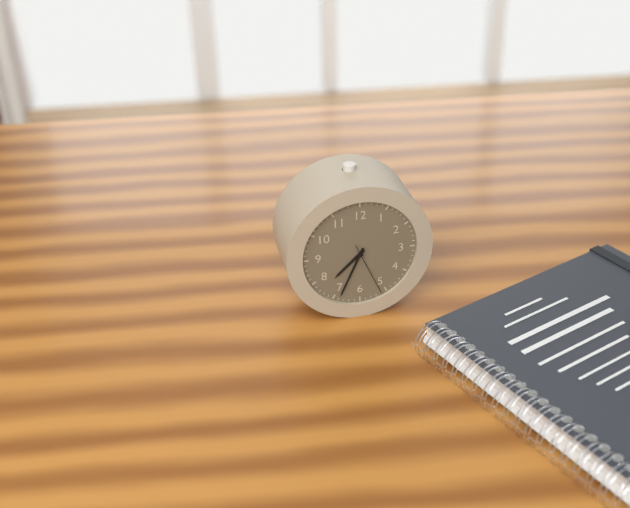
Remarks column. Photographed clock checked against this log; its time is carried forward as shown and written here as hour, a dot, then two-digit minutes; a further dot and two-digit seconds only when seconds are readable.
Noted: 7.34.26
